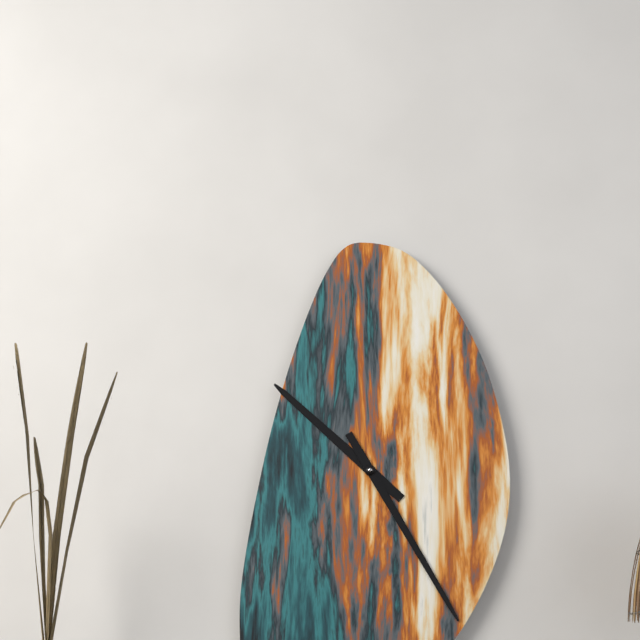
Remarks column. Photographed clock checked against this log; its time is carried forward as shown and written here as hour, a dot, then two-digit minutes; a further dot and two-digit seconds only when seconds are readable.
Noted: 10.25
